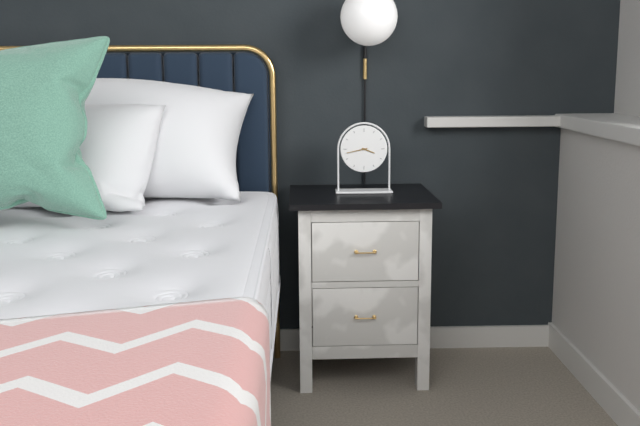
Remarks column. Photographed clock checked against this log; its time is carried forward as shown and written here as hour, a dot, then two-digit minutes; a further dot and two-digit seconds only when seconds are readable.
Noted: 3.43
